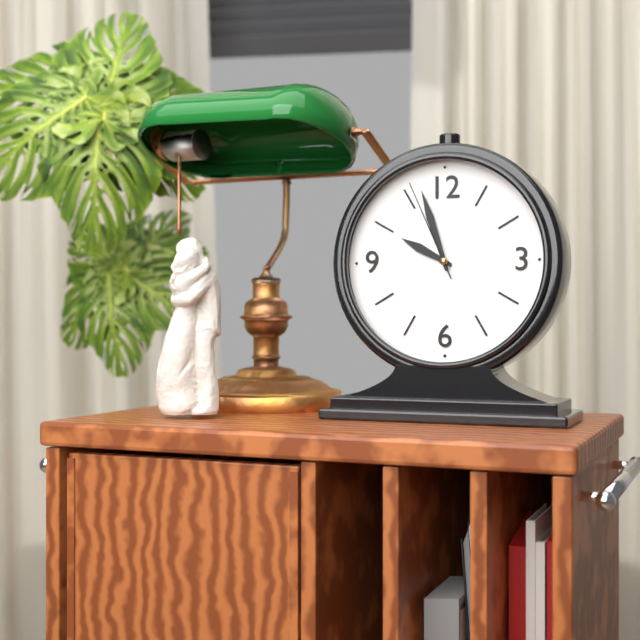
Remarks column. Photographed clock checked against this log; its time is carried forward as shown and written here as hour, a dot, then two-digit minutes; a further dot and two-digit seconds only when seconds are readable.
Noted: 9.57.56
